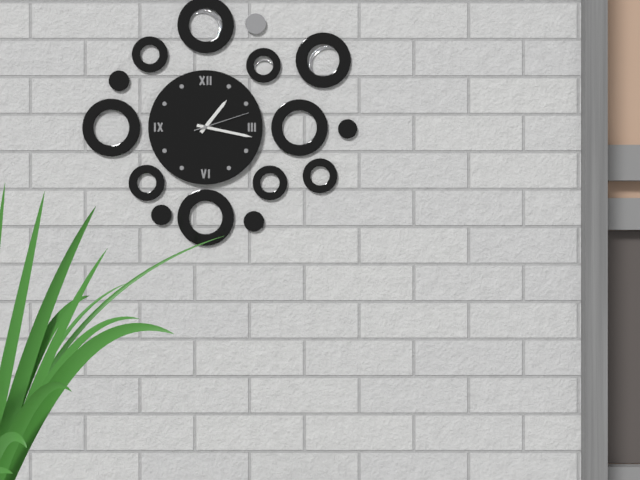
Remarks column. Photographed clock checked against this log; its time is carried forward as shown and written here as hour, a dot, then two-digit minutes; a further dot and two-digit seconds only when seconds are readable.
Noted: 1.17.12
